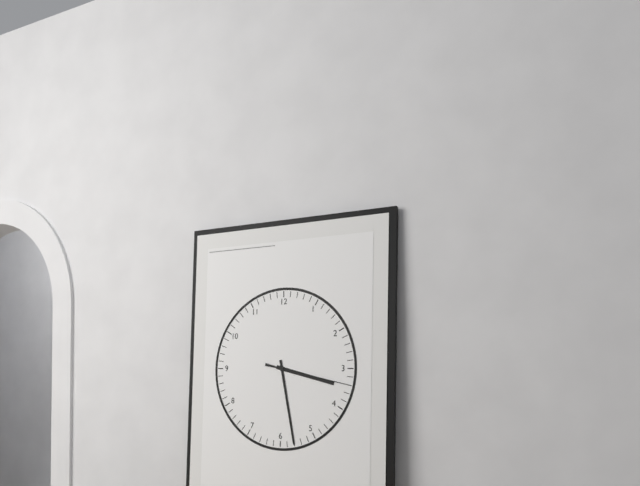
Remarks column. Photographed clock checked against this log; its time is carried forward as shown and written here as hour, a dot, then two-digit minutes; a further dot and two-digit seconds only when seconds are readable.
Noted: 3.28.17
